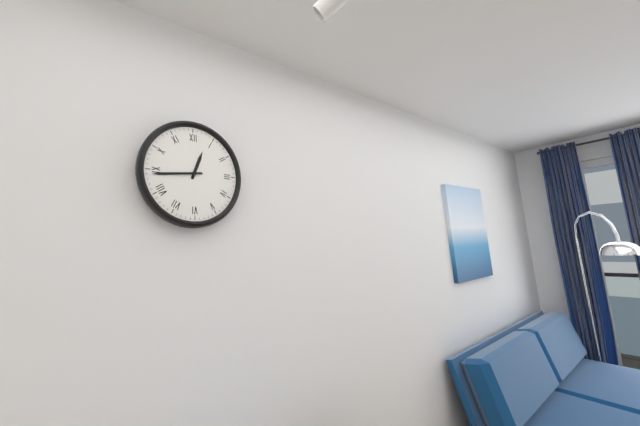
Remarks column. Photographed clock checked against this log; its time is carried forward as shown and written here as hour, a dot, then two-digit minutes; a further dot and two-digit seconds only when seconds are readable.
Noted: 12.44
